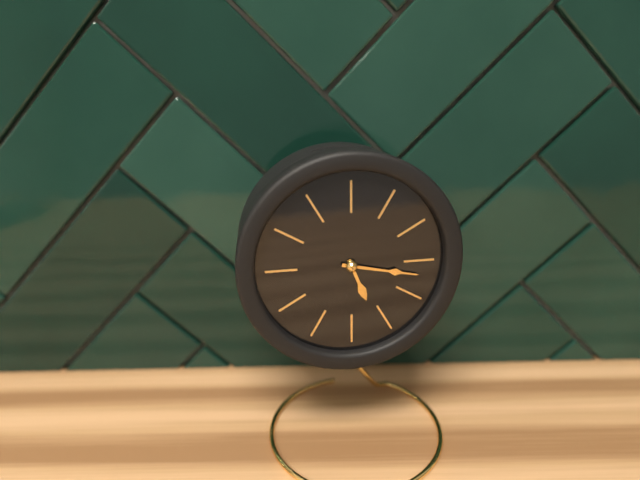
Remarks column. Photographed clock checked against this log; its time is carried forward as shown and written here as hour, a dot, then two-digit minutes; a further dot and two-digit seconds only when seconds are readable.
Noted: 5.17
